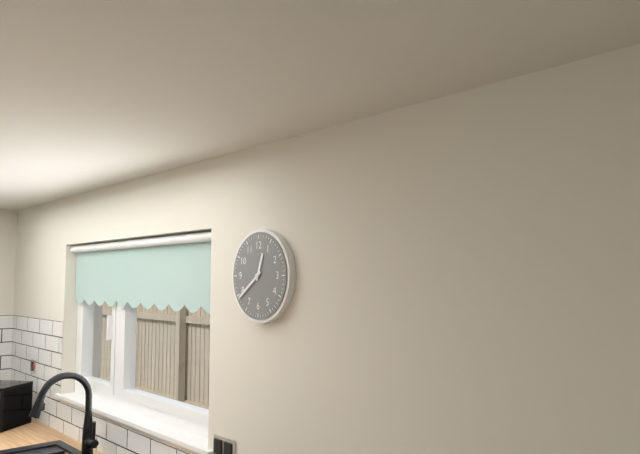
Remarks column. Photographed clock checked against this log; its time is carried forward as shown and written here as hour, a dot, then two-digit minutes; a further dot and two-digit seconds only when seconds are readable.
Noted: 12.39
